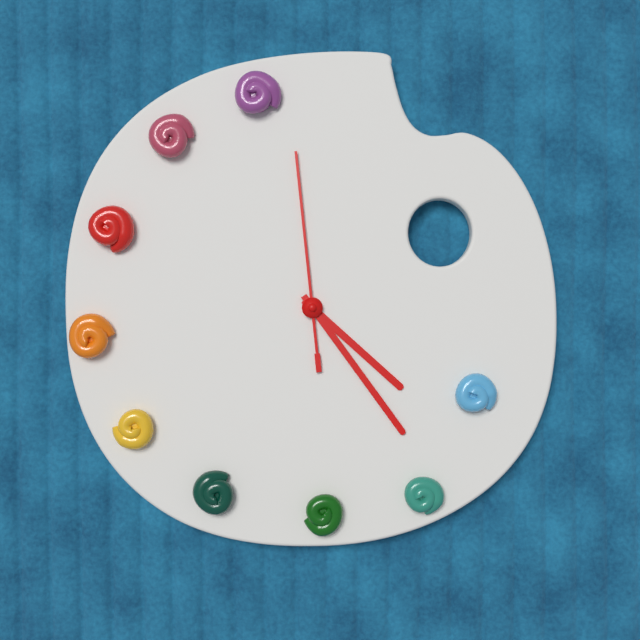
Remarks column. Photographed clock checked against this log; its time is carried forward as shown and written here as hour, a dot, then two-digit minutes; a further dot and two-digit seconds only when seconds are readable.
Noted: 4.24.59
